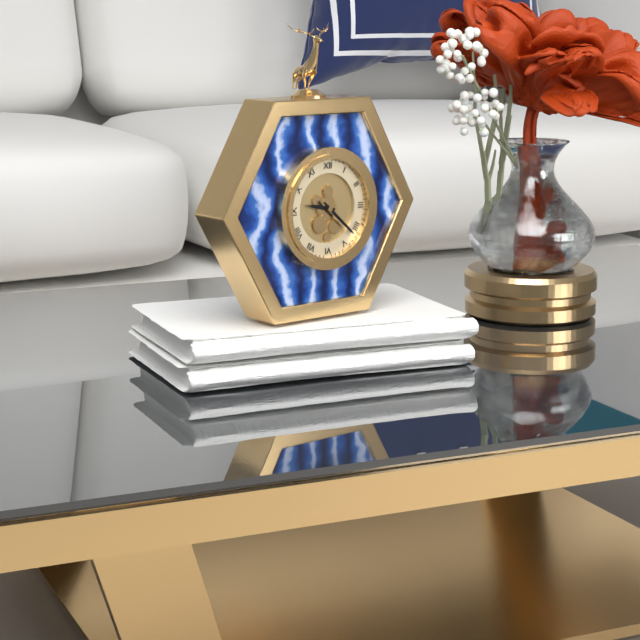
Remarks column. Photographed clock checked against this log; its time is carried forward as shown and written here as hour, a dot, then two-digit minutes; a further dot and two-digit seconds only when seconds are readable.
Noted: 9.22
